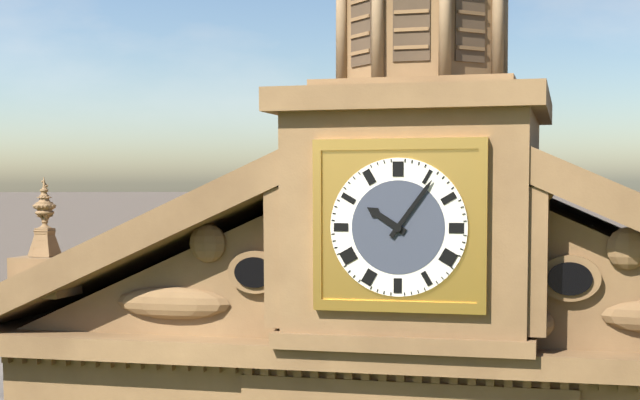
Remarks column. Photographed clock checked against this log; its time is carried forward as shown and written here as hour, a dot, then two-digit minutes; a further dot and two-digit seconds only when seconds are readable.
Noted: 10.06
